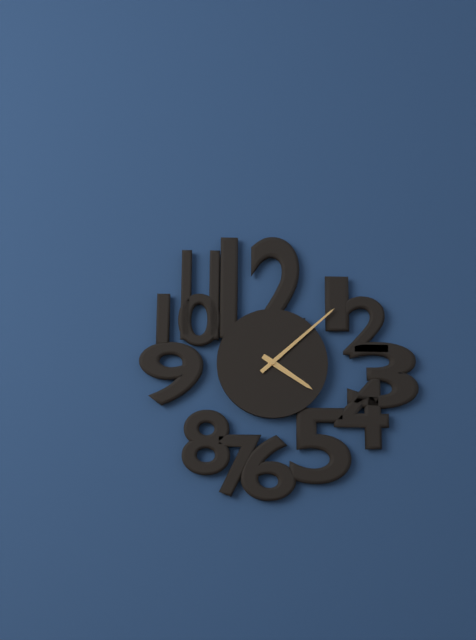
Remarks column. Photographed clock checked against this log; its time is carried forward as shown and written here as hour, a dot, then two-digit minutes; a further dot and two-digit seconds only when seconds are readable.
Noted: 4.08
